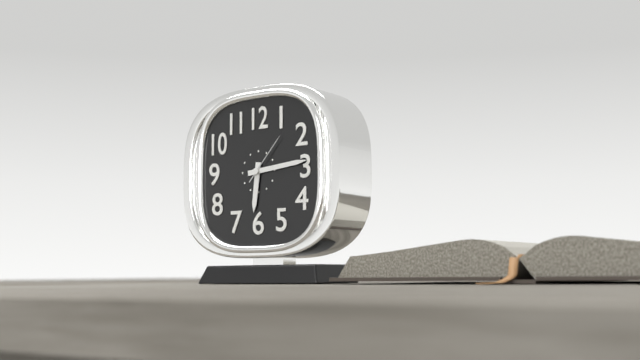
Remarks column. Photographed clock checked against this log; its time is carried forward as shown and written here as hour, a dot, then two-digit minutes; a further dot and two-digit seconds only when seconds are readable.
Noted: 6.14.07
